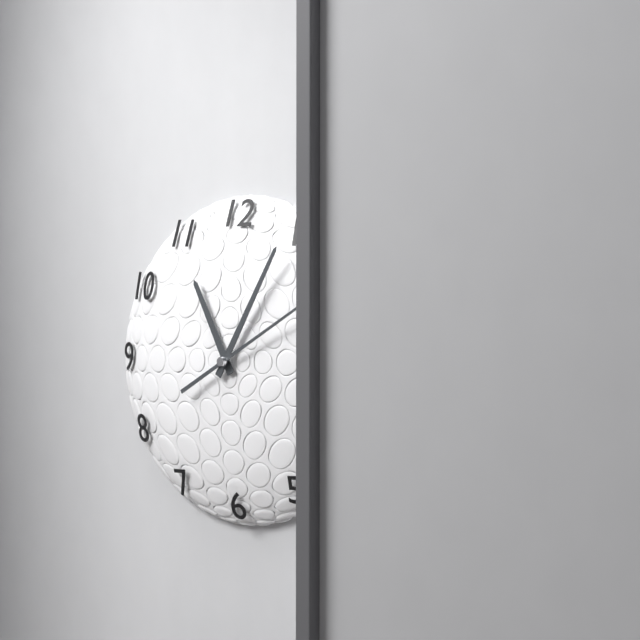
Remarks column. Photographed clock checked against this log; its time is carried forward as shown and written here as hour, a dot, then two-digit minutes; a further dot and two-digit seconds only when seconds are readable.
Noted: 11.05
